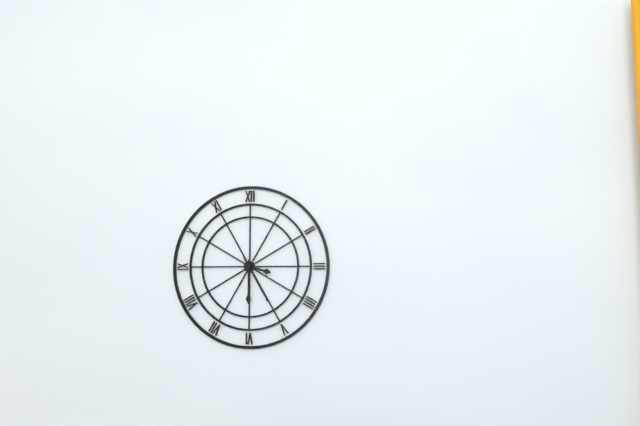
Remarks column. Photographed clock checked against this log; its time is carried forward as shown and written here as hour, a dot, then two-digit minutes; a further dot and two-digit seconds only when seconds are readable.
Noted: 3.30
